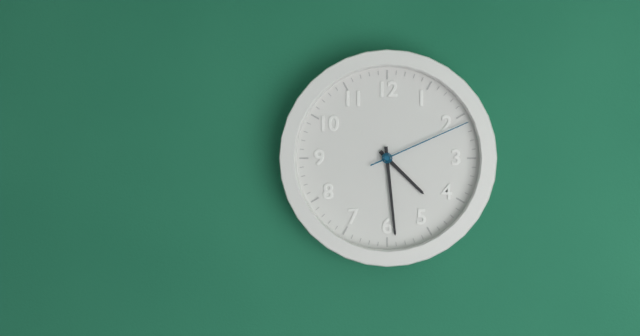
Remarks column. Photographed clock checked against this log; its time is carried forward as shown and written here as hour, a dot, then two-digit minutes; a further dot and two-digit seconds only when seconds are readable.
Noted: 4.29.11
